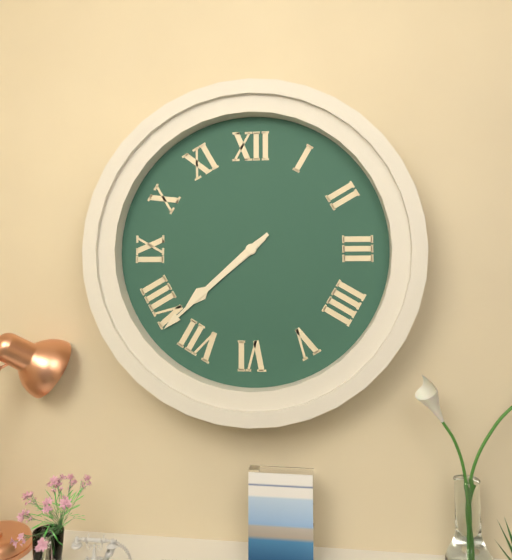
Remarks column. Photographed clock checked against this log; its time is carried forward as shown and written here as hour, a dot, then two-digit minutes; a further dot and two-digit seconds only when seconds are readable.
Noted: 7.38
